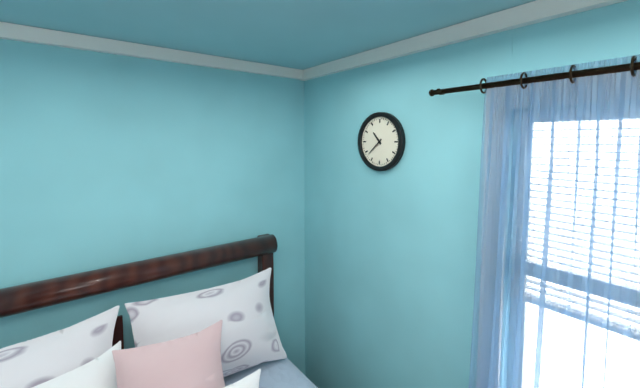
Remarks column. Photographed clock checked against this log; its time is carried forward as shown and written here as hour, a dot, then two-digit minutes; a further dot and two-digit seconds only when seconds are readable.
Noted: 10.38
